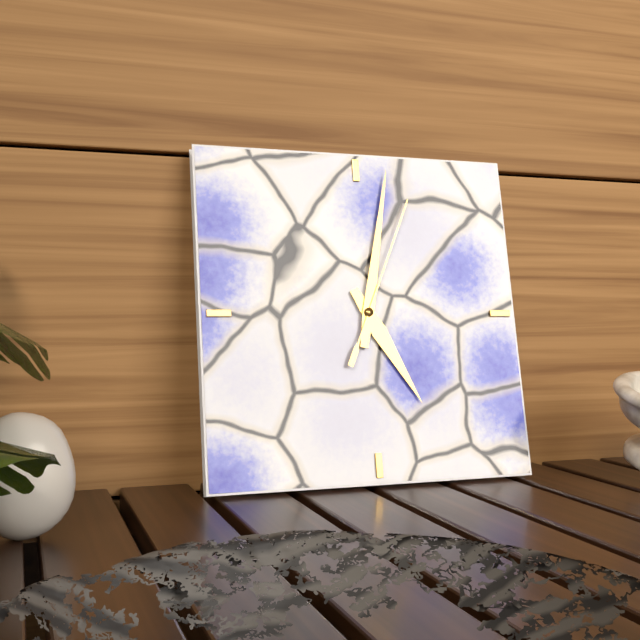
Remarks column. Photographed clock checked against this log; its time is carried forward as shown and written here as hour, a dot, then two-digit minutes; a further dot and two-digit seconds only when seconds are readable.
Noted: 5.02.04
